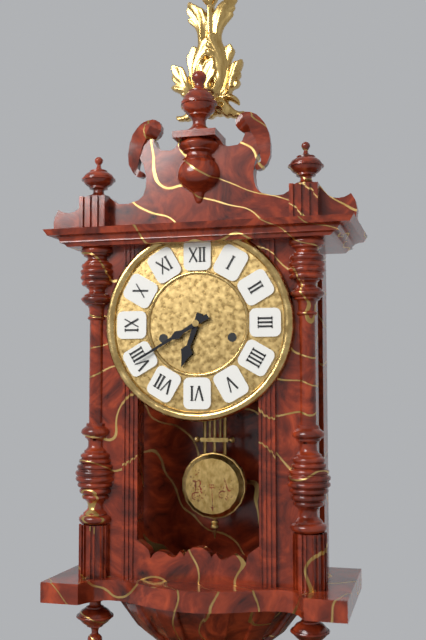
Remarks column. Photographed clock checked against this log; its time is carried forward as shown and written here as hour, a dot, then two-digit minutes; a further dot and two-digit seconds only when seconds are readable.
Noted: 6.40
